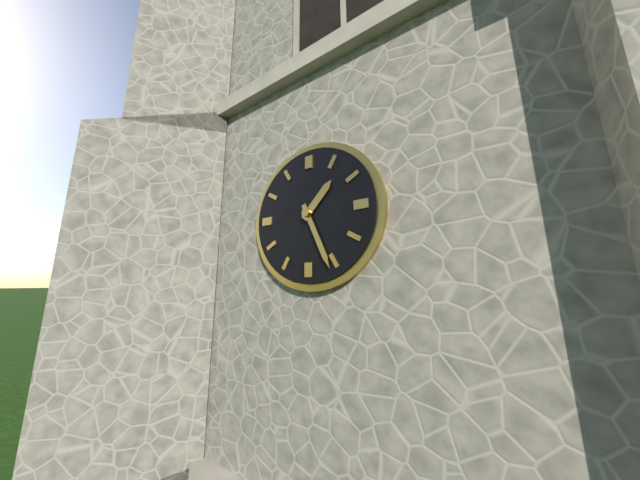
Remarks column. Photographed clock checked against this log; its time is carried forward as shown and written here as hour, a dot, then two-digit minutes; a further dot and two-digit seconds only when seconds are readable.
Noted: 1.26
